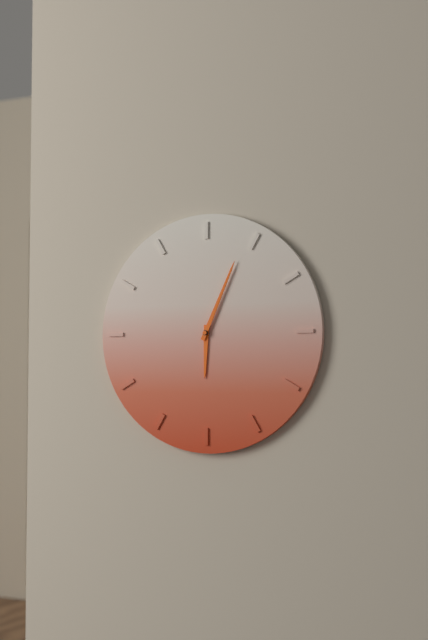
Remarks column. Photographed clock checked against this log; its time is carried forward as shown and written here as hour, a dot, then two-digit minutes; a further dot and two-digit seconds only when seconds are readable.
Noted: 6.04
